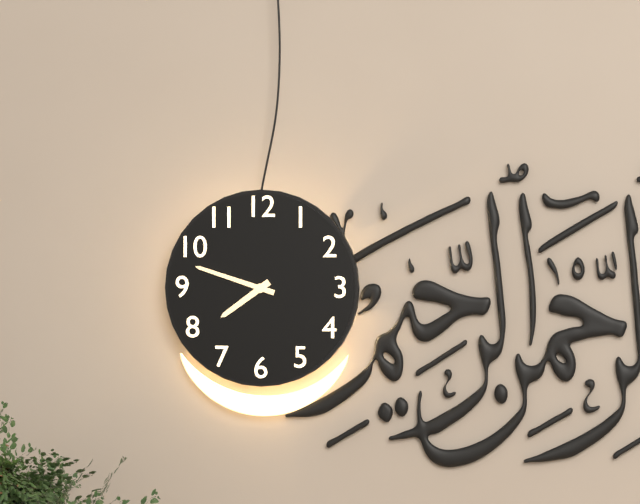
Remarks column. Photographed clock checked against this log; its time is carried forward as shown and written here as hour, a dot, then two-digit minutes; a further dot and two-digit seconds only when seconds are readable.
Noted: 7.48
